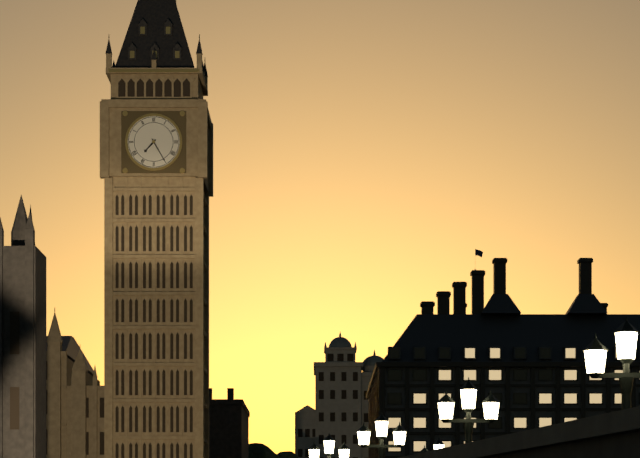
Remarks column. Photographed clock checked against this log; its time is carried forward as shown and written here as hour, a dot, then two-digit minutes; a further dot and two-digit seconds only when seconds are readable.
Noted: 7.25
